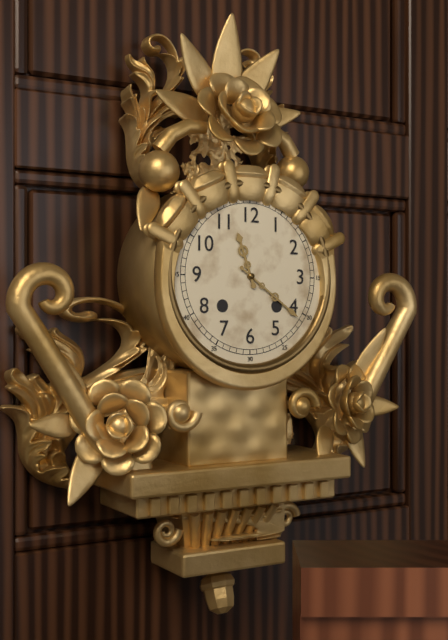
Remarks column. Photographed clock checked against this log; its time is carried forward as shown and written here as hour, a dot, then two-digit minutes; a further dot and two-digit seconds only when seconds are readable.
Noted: 11.21
